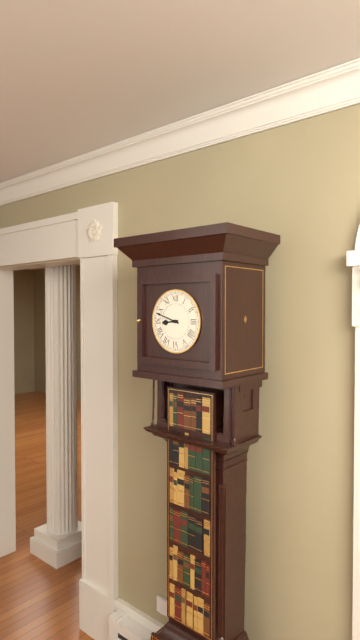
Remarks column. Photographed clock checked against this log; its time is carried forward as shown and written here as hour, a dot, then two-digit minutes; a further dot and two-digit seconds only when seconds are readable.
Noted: 8.48
